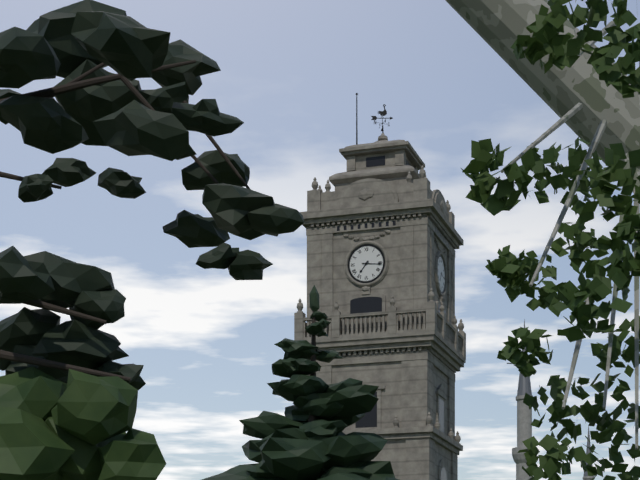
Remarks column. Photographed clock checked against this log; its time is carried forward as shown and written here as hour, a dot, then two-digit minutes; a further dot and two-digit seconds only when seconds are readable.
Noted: 7.16
